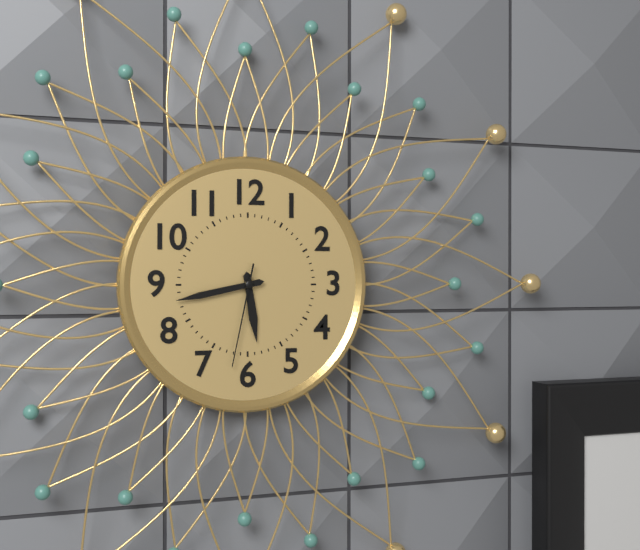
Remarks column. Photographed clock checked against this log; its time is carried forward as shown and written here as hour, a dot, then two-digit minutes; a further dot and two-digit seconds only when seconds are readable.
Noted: 5.43.32
